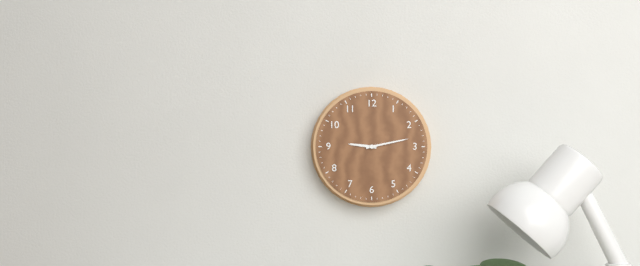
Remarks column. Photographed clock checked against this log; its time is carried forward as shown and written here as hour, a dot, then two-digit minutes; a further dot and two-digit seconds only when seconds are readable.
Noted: 9.13
